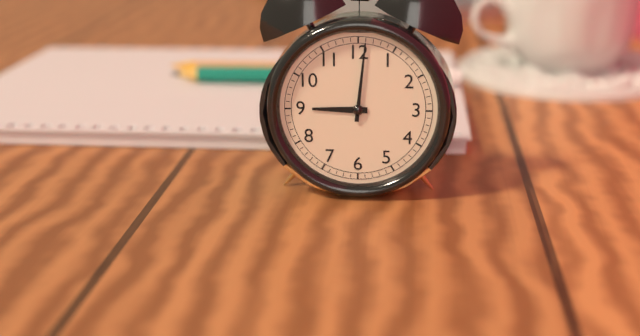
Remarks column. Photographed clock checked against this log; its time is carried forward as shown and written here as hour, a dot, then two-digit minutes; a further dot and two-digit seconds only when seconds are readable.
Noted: 9.01
